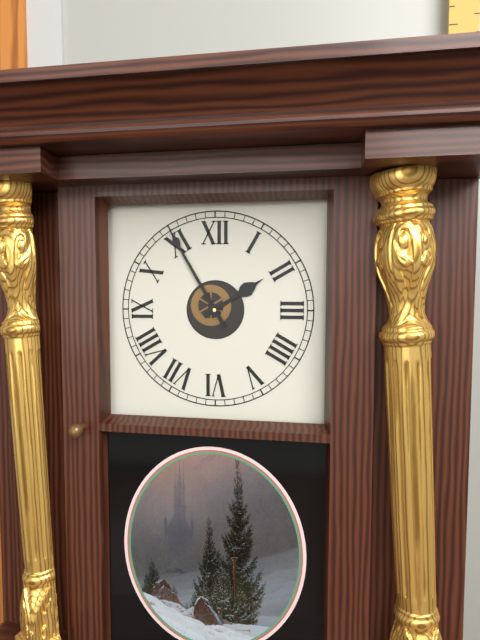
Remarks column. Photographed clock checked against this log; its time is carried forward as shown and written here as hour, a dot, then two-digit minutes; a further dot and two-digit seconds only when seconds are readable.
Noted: 1.55
